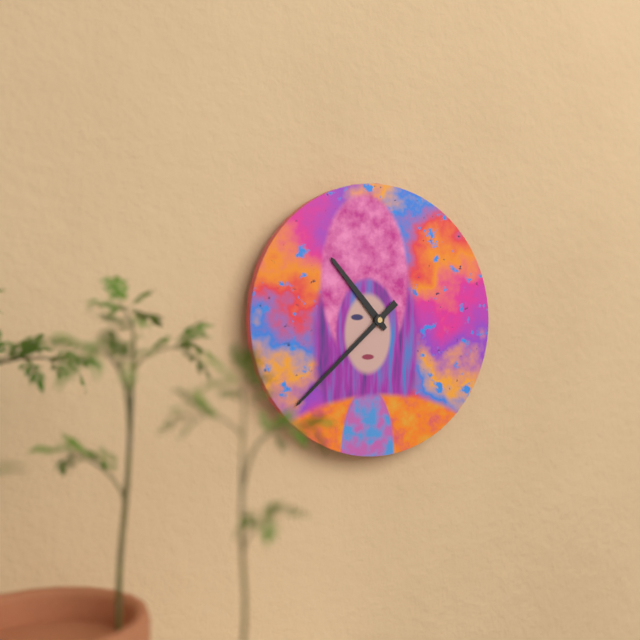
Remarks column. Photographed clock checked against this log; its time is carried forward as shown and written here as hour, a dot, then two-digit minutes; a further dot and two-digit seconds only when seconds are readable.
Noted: 10.38
